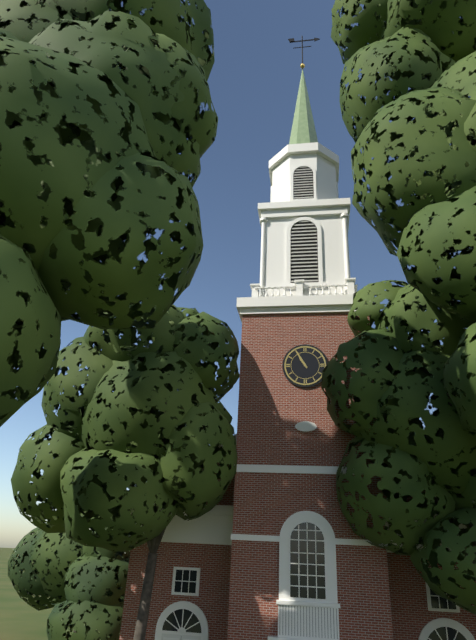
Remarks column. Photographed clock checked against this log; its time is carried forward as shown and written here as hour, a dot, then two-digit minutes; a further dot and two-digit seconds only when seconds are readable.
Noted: 10.55
